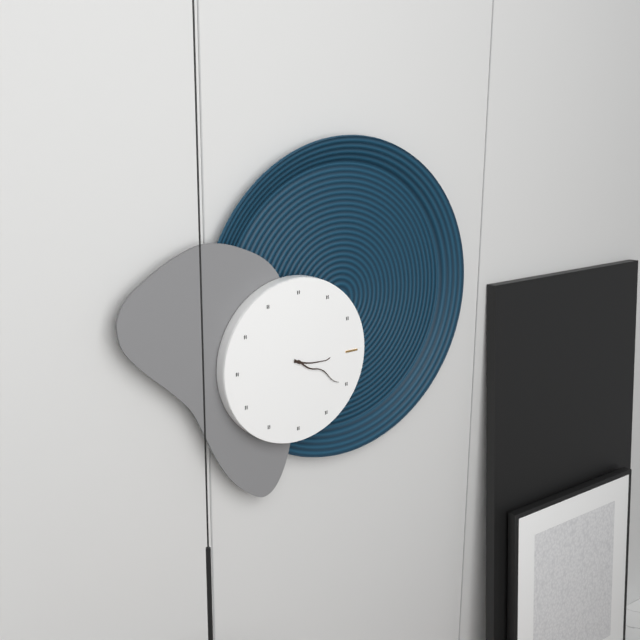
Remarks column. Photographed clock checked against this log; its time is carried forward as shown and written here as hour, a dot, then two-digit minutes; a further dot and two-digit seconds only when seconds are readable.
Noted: 3.20
